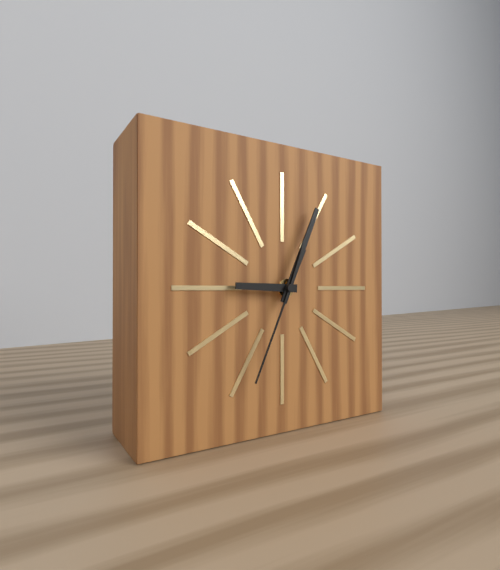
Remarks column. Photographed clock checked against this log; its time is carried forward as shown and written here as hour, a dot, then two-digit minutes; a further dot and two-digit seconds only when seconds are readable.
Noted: 9.04.34
